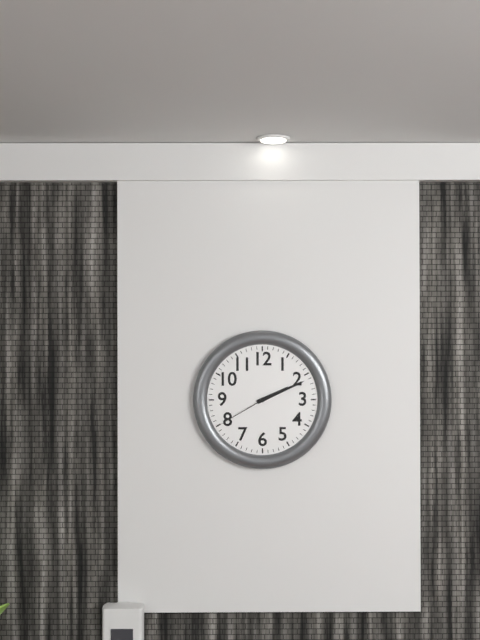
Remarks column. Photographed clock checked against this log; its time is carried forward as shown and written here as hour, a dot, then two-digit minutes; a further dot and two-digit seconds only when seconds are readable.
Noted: 2.11.40
